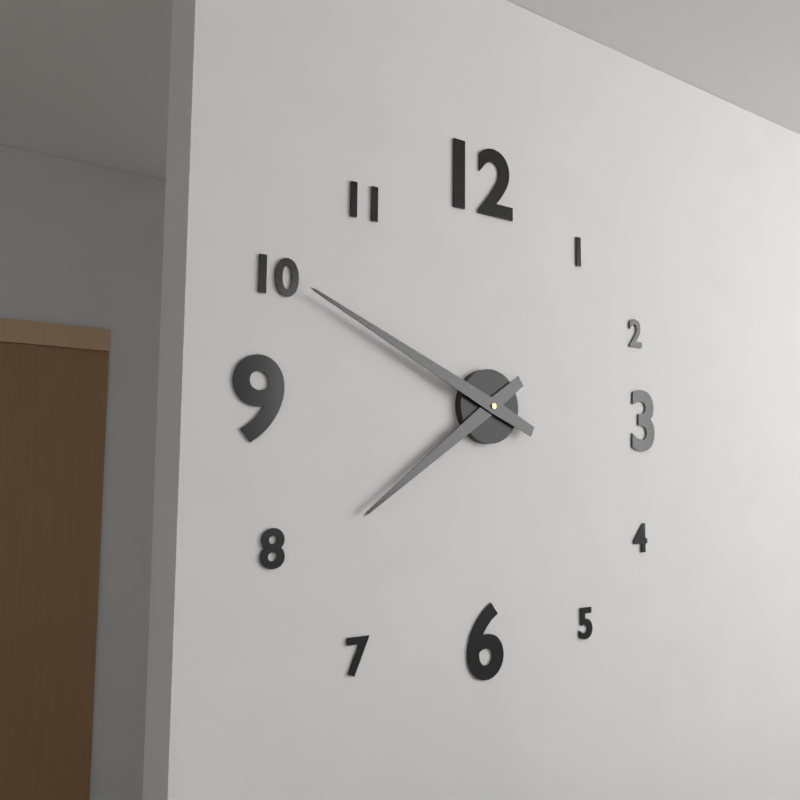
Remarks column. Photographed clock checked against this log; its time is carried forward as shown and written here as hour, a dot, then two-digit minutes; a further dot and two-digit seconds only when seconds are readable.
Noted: 7.49
